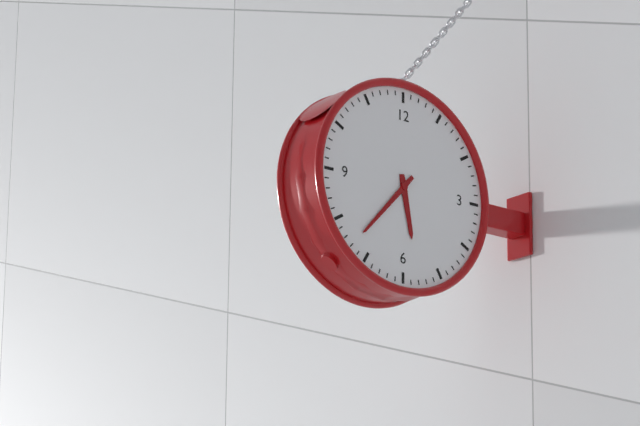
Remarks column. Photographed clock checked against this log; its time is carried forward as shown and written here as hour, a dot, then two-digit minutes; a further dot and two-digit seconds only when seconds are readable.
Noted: 5.37
